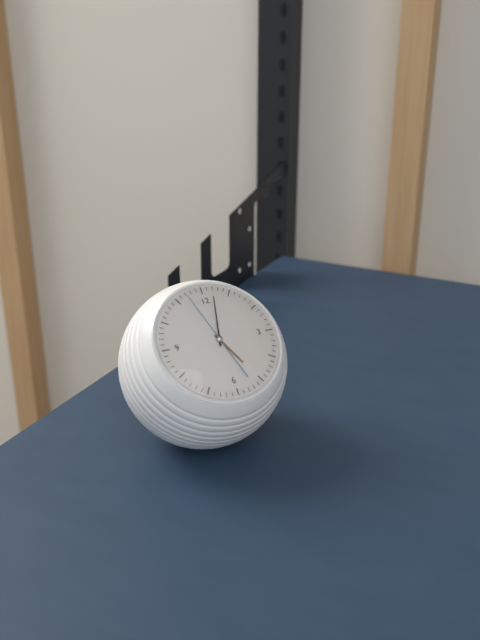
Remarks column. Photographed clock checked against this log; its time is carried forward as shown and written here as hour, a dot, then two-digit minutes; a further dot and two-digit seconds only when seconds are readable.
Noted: 5.02.57
